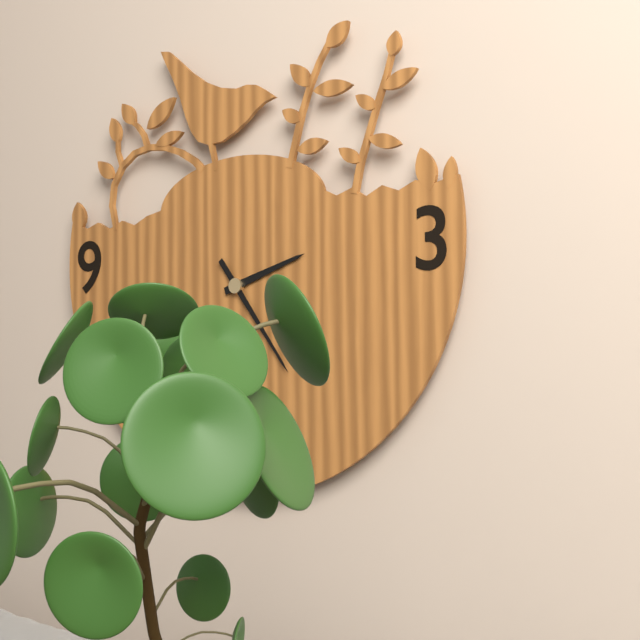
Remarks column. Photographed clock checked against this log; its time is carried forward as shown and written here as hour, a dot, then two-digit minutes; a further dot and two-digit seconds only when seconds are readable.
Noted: 2.24
